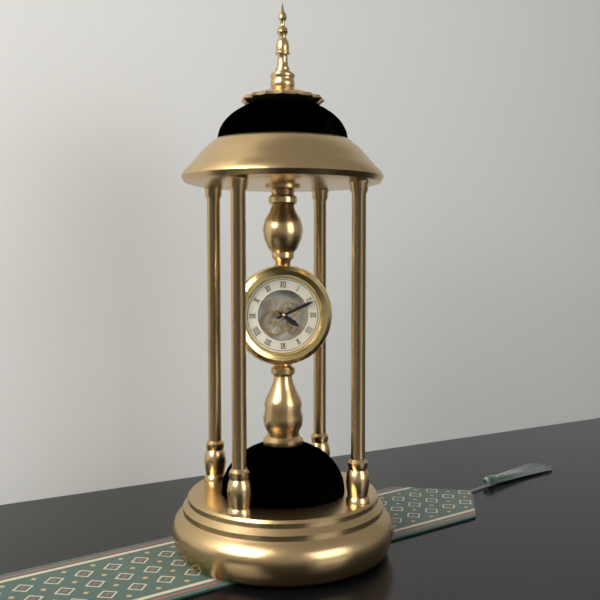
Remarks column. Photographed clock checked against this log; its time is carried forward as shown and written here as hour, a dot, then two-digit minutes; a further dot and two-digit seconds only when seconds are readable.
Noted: 4.11
